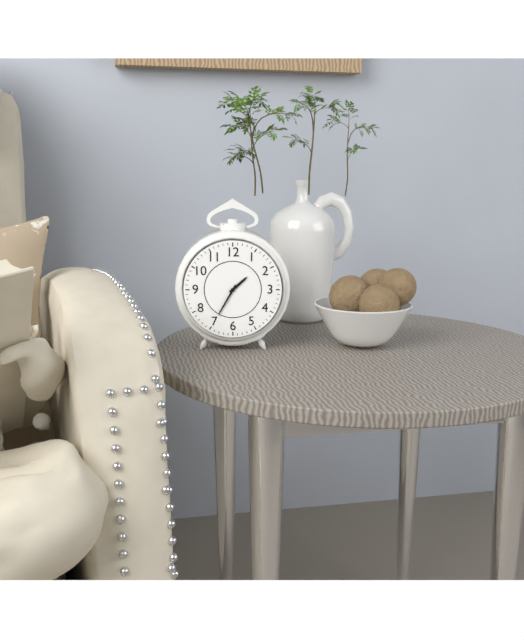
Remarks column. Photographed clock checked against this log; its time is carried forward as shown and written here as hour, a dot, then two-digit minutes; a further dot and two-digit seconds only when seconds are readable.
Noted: 1.35
